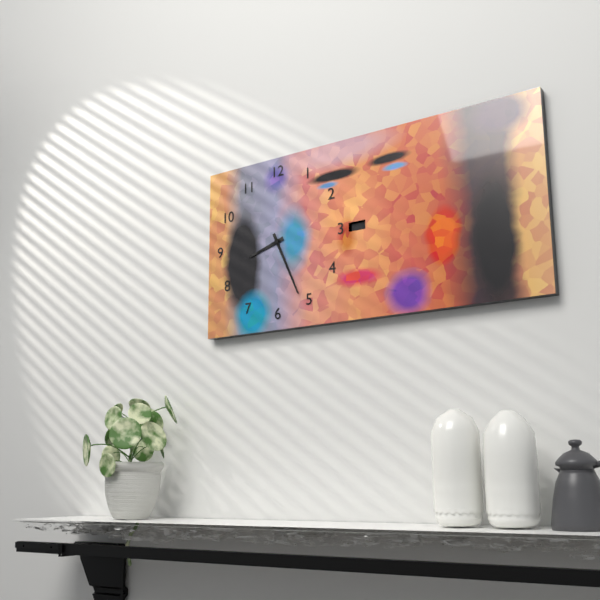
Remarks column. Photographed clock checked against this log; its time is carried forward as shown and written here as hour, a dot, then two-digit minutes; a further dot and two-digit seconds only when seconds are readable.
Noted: 8.26
